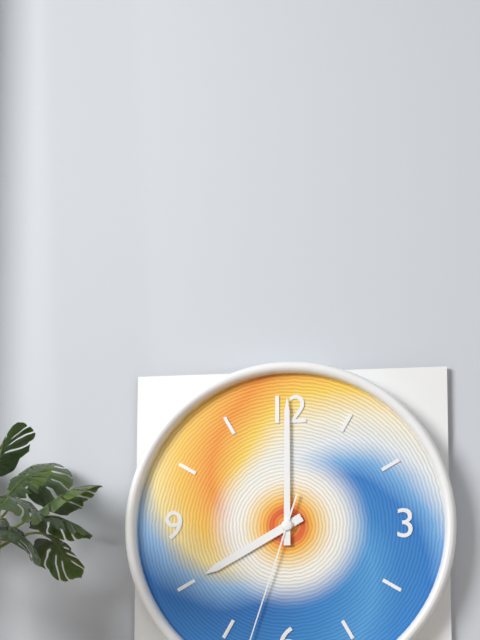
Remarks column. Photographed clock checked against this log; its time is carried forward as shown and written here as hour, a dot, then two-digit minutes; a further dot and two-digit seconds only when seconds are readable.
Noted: 8.00
